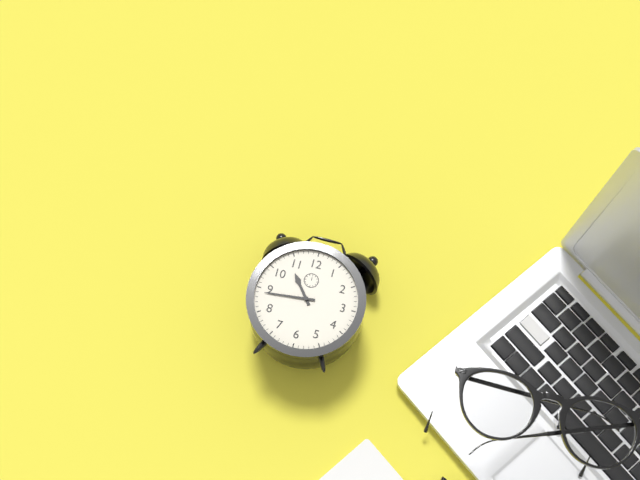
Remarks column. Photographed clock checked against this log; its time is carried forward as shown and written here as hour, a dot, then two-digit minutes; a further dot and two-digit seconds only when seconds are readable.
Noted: 10.44
